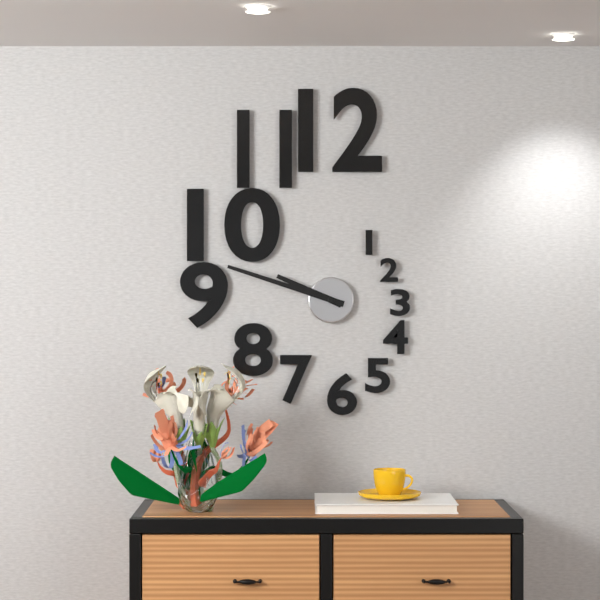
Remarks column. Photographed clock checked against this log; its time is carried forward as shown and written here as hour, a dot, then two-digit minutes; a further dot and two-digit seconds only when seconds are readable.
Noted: 9.48
